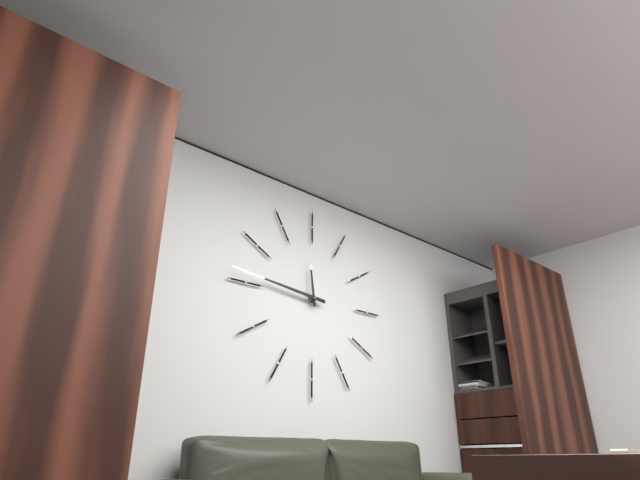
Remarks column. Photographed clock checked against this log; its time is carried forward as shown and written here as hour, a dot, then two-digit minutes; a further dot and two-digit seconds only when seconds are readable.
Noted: 11.46
